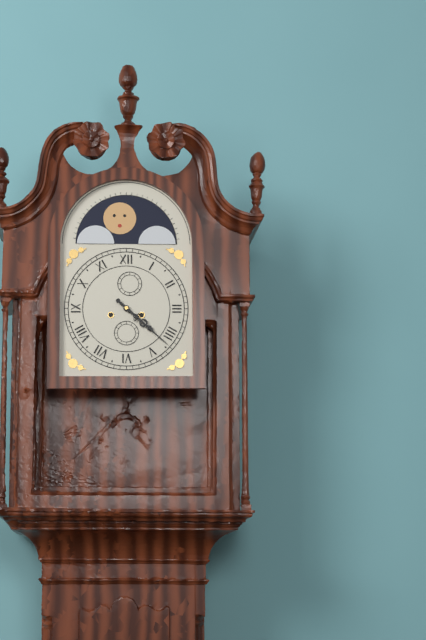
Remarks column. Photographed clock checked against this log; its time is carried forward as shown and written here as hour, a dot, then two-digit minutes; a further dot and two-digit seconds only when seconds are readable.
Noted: 4.22
